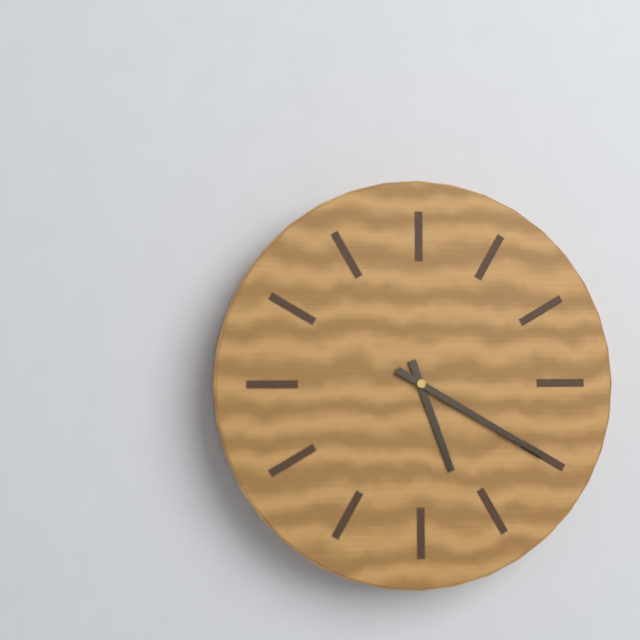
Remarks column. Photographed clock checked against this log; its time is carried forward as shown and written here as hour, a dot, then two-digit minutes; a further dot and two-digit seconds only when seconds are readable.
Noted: 5.20
